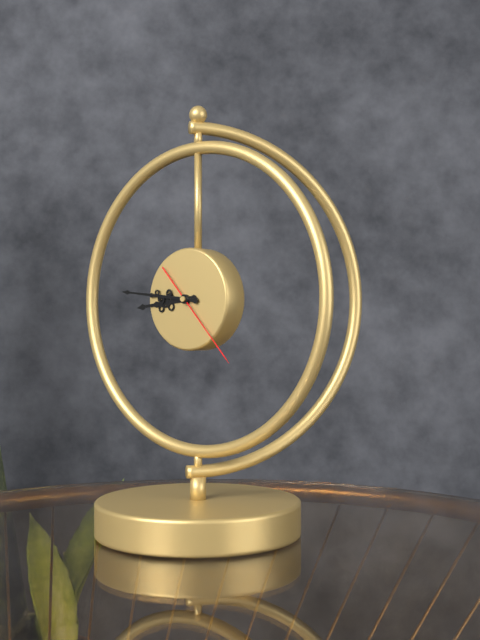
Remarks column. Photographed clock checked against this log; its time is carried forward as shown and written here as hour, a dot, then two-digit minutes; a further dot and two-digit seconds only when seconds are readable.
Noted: 8.46.23
